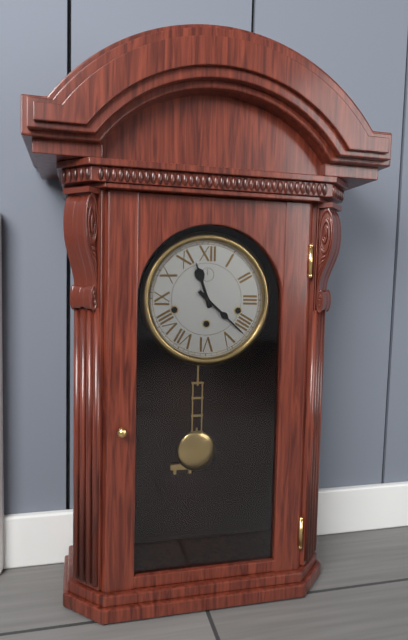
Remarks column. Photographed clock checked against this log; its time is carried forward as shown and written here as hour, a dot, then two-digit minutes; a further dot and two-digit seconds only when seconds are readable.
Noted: 11.22
